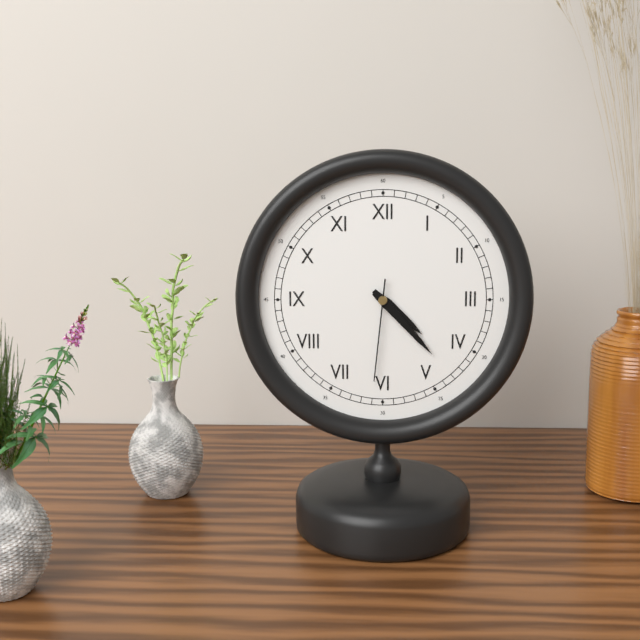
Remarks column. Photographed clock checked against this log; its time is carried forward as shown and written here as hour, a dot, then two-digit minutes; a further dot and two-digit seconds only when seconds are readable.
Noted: 4.23.31
